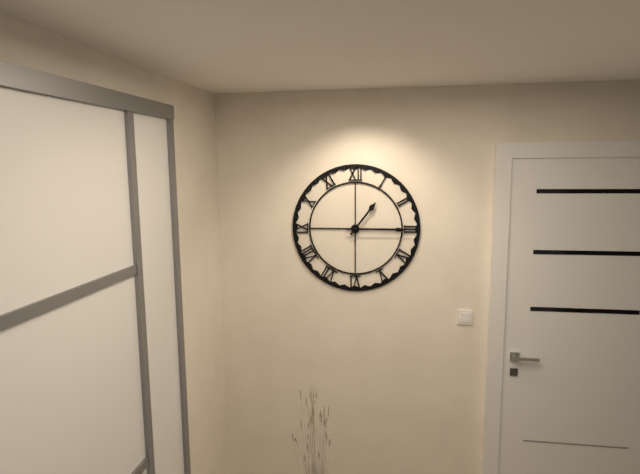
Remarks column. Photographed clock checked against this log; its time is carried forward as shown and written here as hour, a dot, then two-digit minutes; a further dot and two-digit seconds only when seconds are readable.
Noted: 1.15
